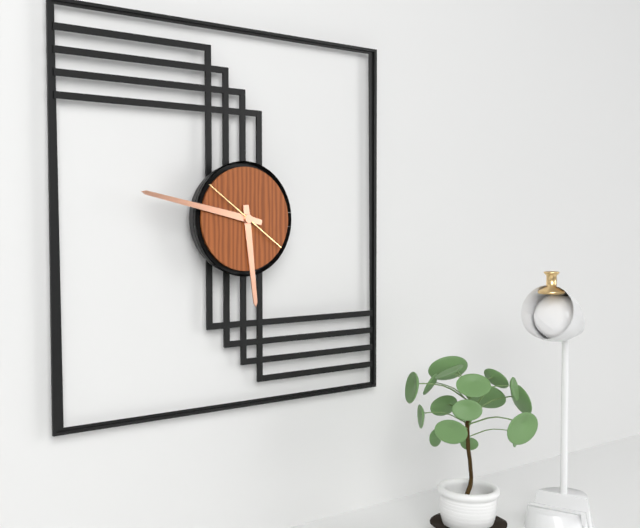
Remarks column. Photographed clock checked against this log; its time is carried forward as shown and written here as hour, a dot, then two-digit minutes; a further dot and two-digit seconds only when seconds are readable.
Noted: 5.47.51
